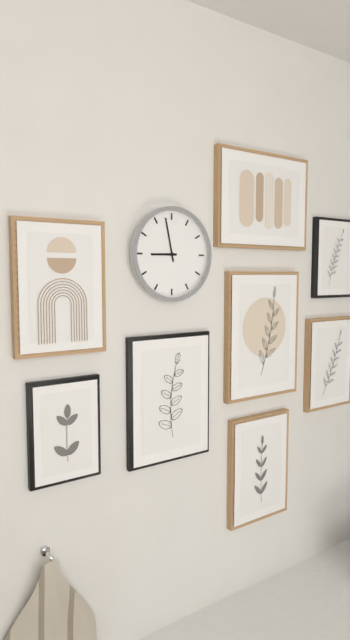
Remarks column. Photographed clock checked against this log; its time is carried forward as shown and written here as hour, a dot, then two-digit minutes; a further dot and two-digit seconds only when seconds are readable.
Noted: 8.58
